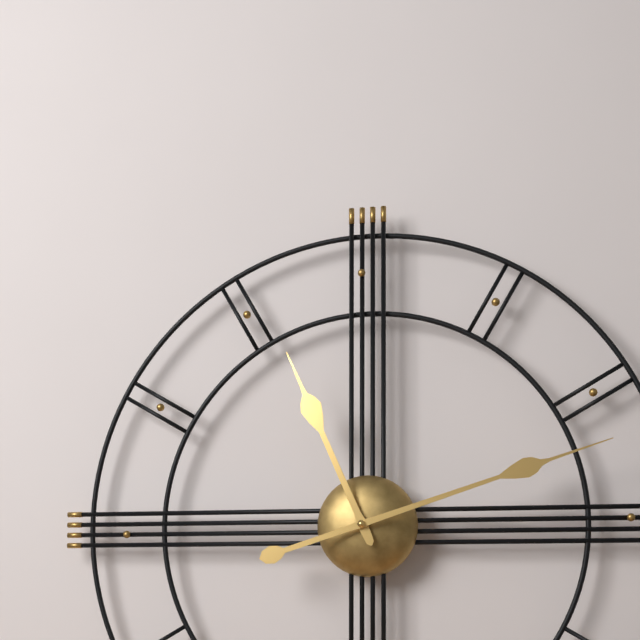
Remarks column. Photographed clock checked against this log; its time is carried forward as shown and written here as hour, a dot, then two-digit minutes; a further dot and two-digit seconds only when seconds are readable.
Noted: 11.12
